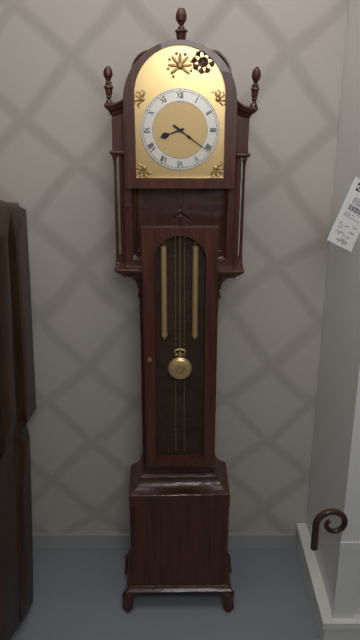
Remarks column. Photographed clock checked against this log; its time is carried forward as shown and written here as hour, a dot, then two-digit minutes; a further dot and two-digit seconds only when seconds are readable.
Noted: 8.21
